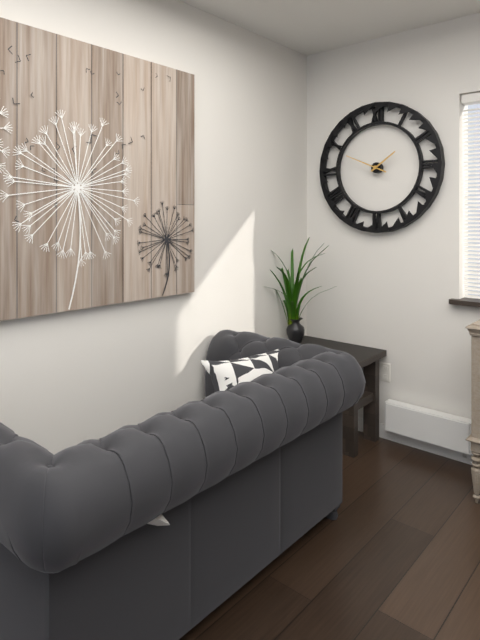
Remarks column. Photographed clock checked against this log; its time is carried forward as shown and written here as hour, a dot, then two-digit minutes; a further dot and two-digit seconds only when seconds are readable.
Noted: 1.49
